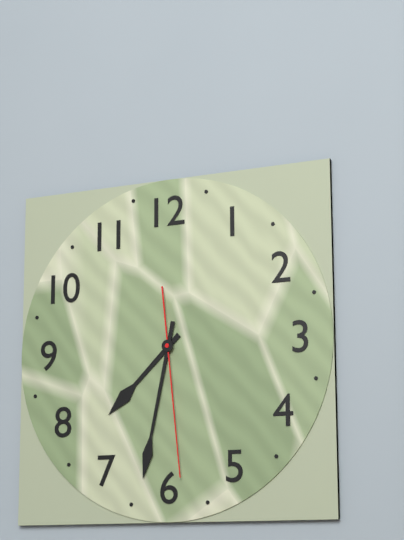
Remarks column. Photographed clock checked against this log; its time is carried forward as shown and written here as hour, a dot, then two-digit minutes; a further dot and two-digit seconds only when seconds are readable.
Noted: 7.32.29
